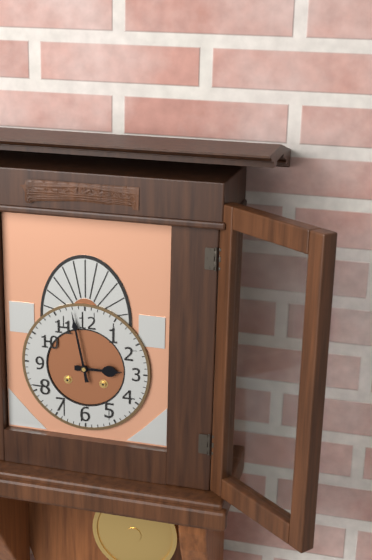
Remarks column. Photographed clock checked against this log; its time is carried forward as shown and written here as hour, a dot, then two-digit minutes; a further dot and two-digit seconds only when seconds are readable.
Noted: 2.58
